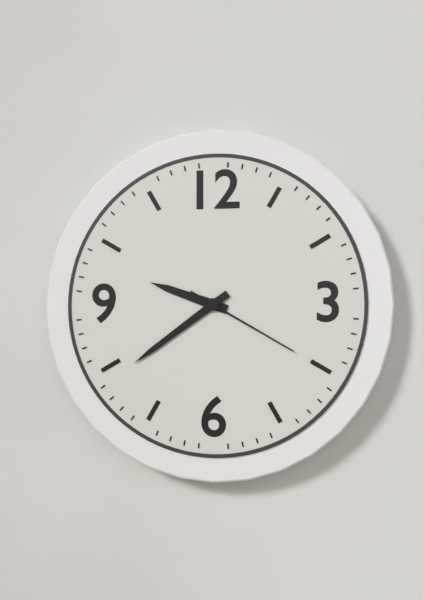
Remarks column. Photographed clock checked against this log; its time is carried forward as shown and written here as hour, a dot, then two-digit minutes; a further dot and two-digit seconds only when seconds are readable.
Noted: 9.39.20
